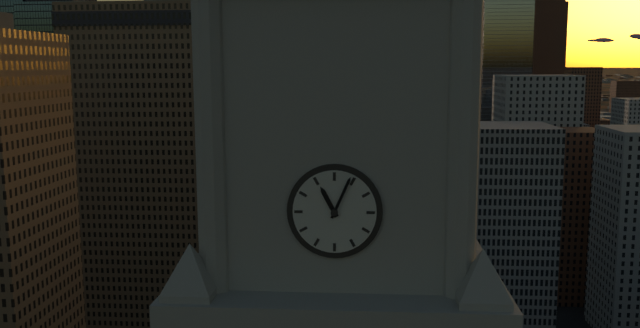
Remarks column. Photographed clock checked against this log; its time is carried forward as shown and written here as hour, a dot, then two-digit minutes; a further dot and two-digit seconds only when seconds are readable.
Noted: 11.04
